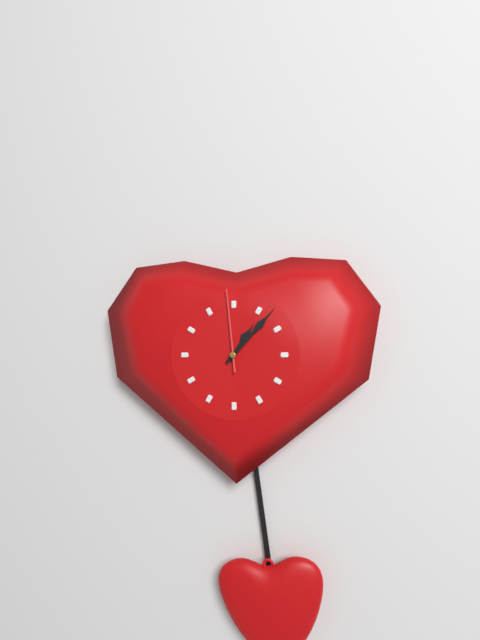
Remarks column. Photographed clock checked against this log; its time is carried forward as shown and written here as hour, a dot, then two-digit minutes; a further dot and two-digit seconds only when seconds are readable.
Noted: 1.07.59
